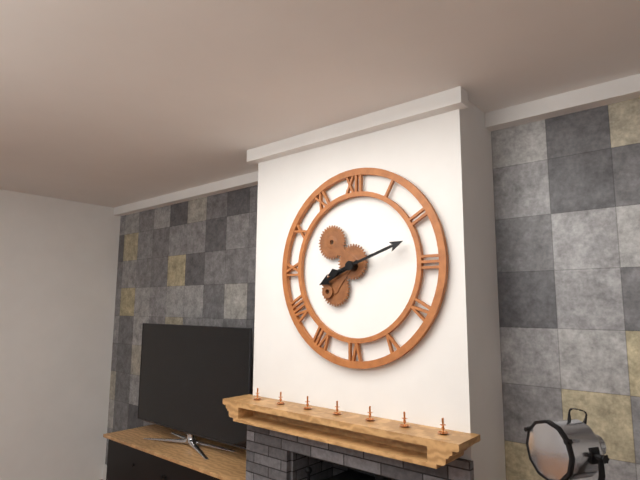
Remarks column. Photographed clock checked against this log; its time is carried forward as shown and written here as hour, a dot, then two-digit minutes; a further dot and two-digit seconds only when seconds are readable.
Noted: 8.12
